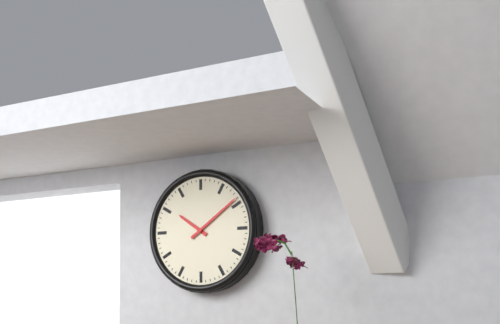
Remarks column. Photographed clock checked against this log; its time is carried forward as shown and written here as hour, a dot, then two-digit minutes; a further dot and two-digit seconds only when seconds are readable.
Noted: 10.09
